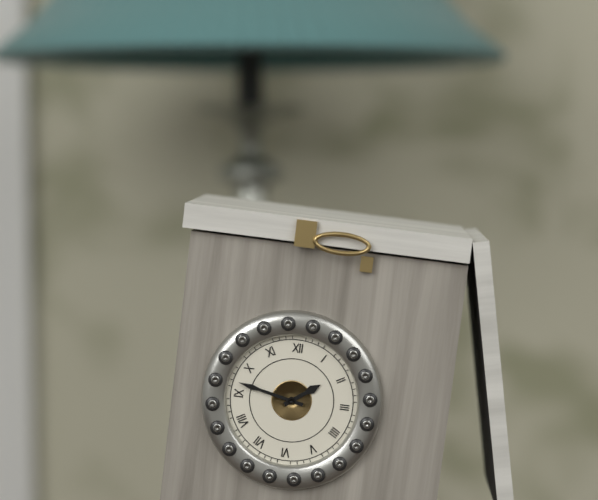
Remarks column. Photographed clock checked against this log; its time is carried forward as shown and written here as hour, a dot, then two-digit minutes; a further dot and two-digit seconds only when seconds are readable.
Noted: 1.47
